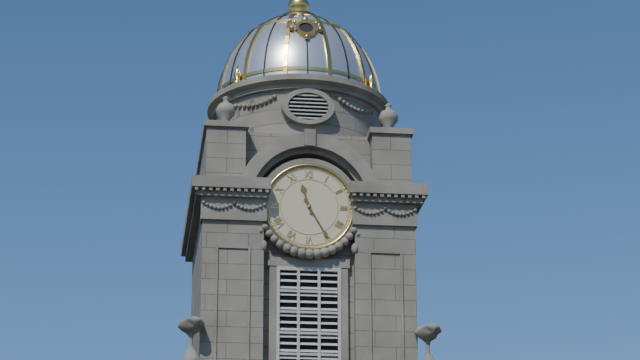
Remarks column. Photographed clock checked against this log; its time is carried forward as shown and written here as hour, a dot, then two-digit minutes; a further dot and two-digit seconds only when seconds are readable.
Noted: 11.25
